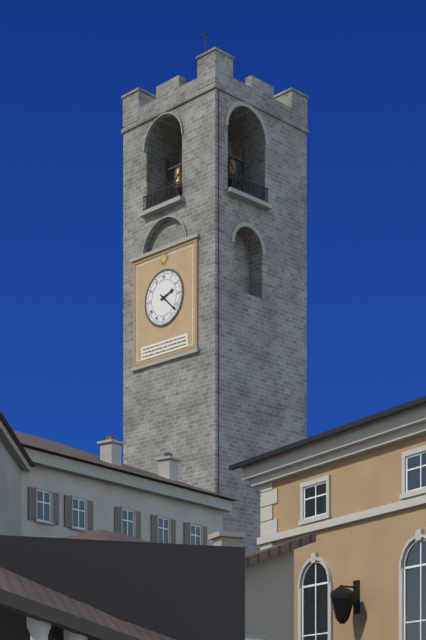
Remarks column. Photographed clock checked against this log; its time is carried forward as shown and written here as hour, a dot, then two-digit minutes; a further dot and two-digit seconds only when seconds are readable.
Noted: 2.22
